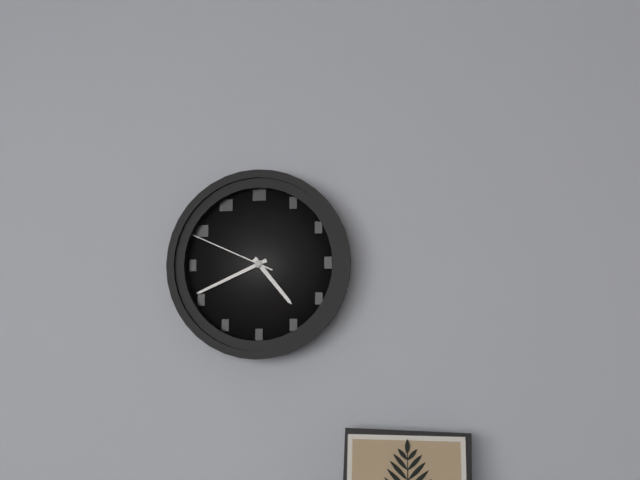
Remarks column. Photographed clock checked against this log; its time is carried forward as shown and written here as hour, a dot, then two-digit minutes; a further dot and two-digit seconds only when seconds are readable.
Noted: 4.41.49
